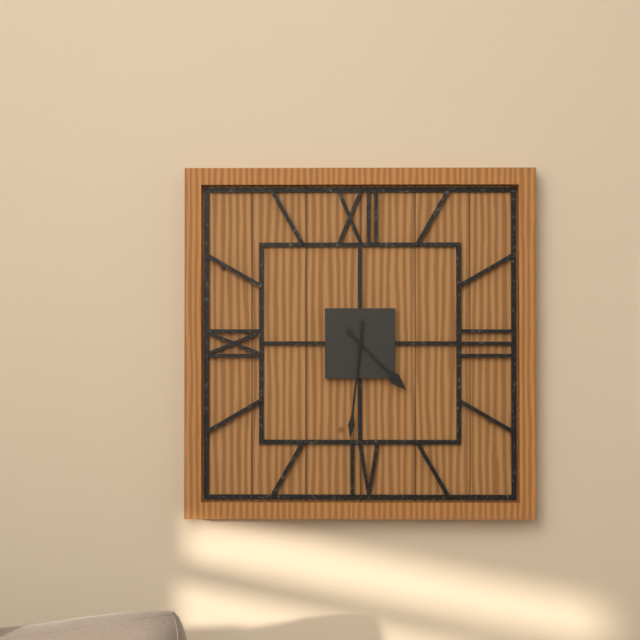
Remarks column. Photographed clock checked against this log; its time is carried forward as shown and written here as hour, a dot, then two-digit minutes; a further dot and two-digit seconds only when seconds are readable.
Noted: 4.31
